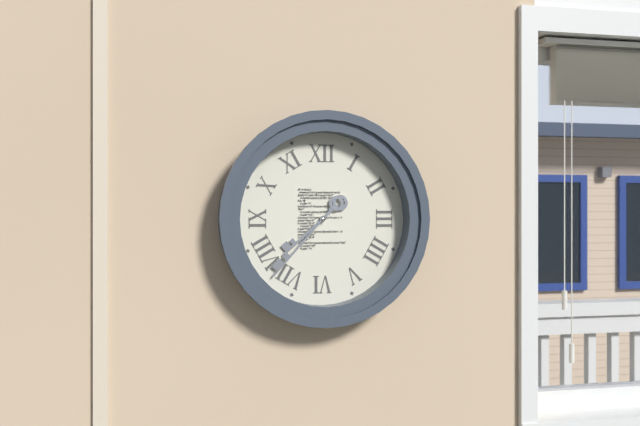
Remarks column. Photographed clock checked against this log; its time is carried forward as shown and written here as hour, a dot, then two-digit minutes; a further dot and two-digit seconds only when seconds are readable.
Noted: 7.37
